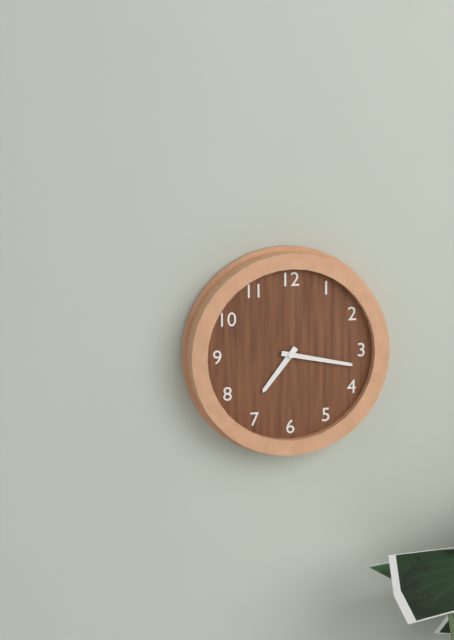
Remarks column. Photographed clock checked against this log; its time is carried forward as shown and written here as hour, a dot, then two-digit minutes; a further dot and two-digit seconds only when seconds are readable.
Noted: 7.17
